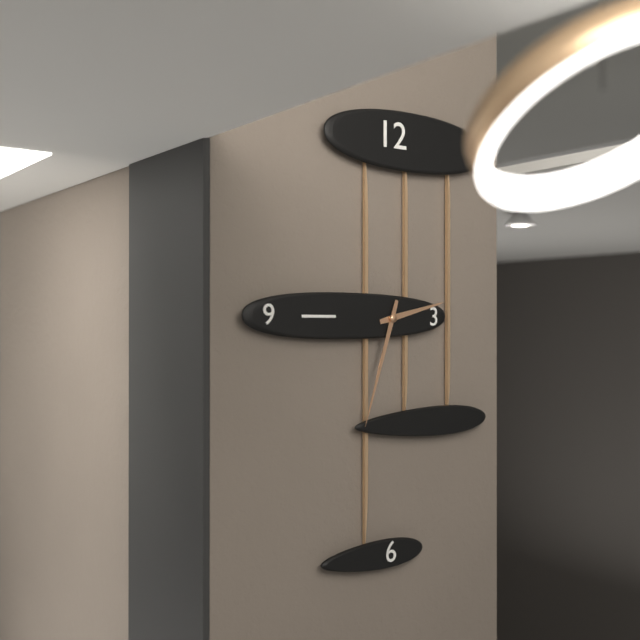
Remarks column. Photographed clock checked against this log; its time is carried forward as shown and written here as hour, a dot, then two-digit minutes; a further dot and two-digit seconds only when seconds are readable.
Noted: 2.33
